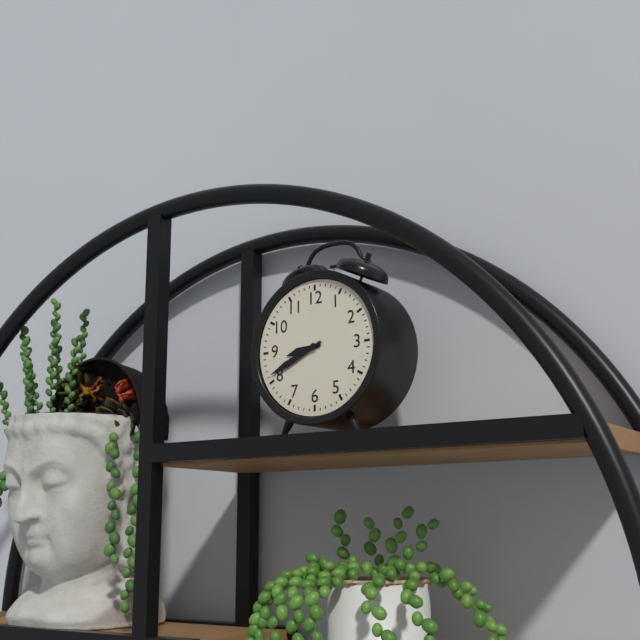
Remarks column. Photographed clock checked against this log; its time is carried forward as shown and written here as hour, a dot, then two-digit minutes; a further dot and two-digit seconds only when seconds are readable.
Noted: 8.41
